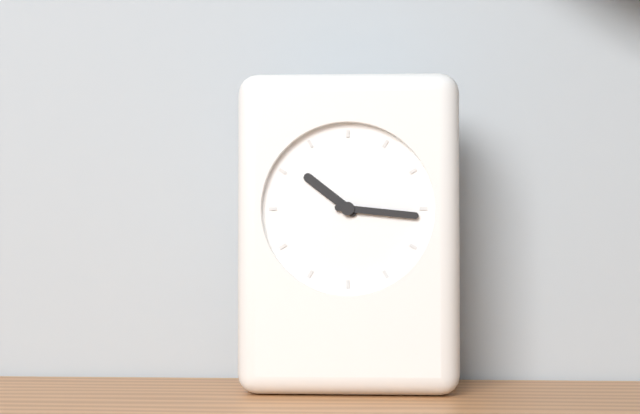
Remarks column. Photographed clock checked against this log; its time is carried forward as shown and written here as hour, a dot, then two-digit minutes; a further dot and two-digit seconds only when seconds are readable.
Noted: 10.16
